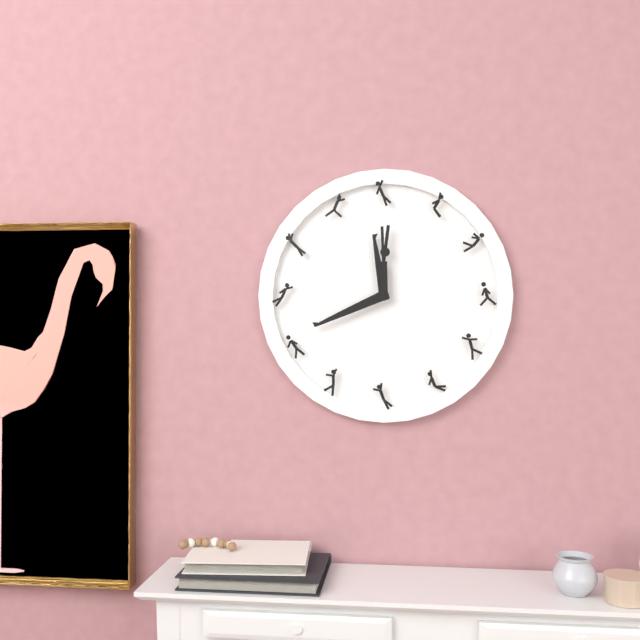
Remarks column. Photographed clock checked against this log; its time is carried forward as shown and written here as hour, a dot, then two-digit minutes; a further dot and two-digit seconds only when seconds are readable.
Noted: 11.41
